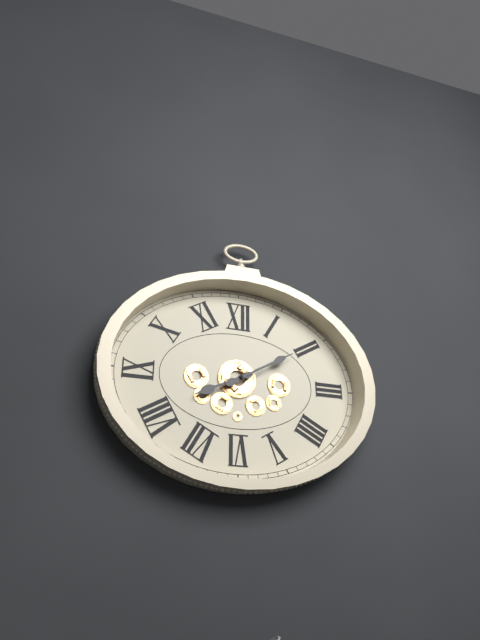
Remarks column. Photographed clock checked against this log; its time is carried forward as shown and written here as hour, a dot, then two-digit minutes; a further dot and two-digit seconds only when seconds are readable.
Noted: 8.10
